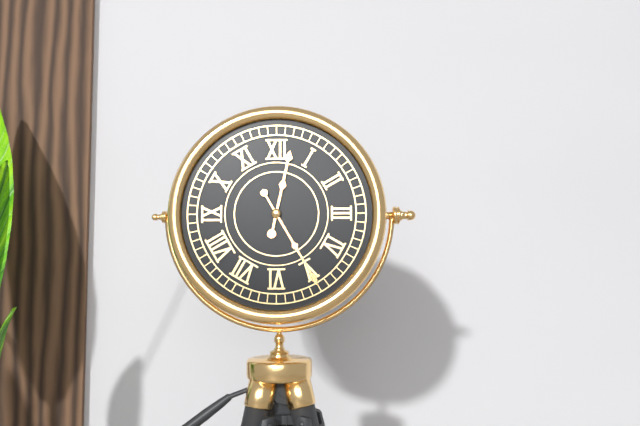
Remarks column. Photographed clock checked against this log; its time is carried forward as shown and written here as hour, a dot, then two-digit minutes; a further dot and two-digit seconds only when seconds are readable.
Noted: 12.25
